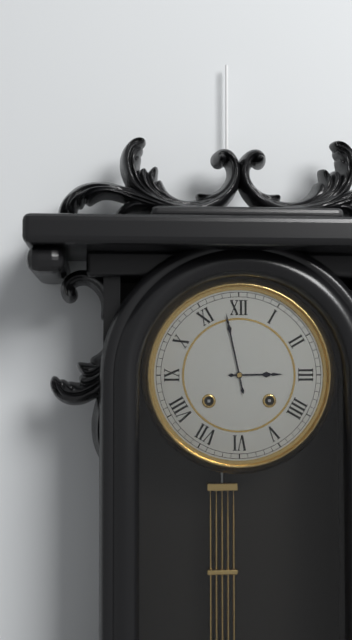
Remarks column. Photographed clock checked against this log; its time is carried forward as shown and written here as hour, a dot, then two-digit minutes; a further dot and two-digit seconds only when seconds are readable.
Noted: 2.58
